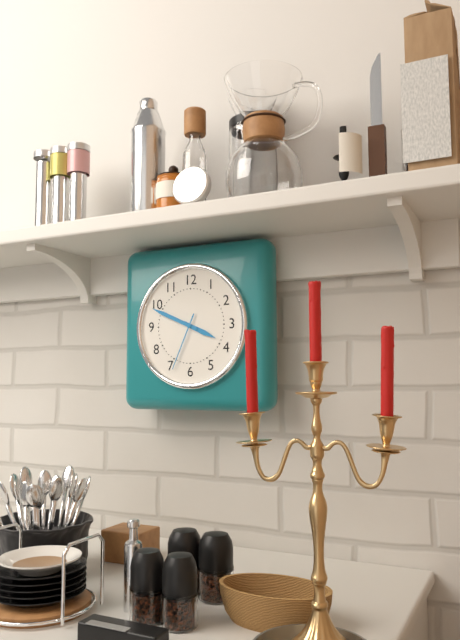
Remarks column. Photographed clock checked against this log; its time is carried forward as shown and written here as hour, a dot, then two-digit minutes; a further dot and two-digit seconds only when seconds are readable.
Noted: 3.49.34
